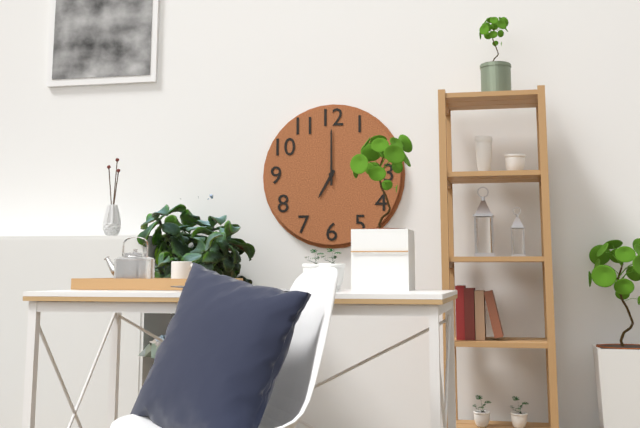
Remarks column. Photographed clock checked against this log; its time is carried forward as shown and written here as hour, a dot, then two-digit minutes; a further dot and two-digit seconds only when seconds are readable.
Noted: 7.00
